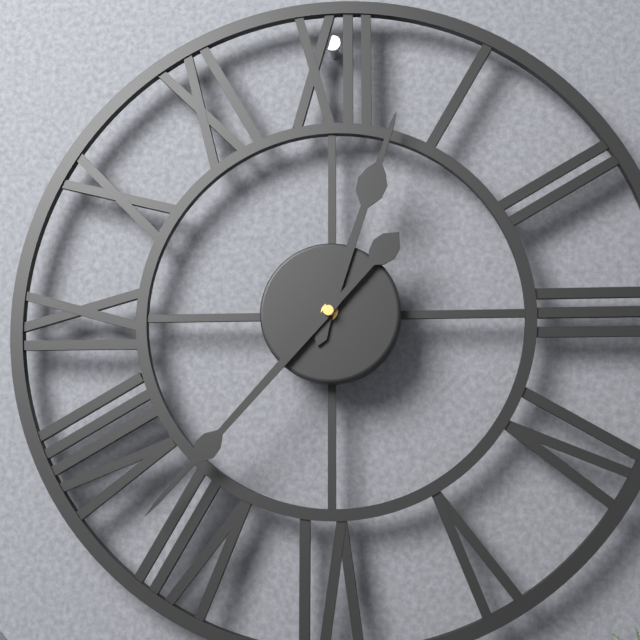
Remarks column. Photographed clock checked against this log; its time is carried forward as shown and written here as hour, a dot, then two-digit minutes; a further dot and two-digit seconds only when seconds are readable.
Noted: 12.37
